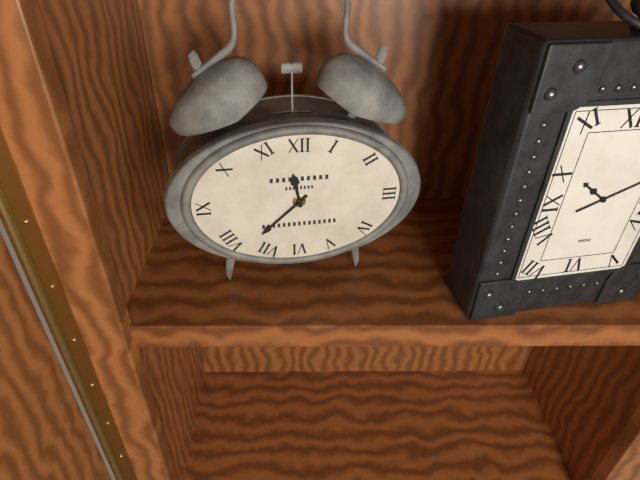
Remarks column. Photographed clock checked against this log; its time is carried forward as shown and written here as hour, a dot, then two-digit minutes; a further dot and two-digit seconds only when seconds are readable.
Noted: 11.38
